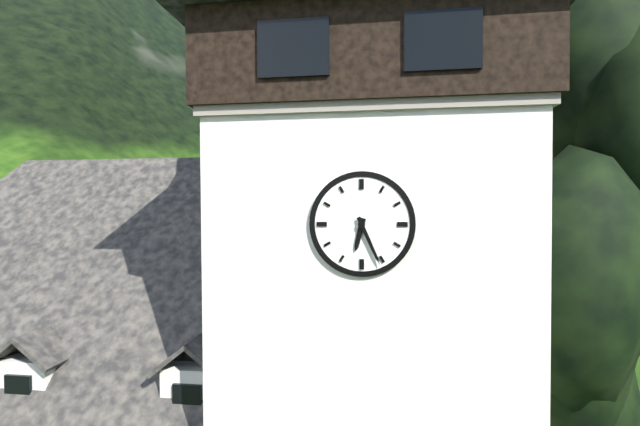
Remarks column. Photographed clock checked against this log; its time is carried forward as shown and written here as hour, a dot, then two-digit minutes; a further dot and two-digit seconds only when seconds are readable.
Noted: 6.26
